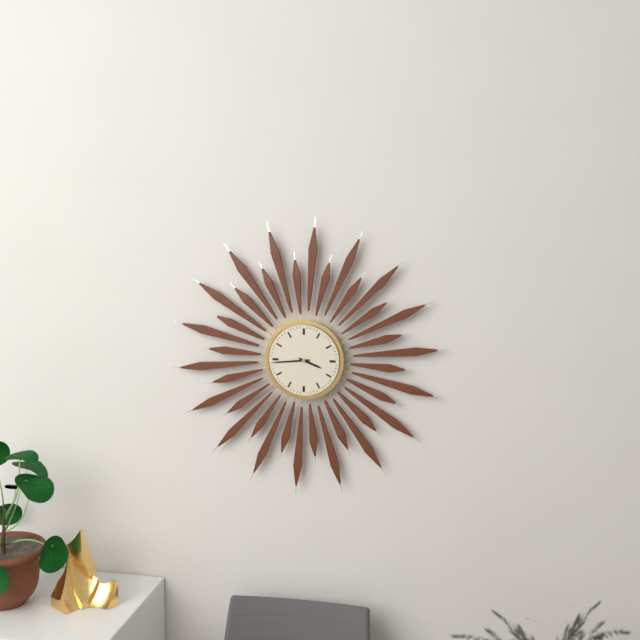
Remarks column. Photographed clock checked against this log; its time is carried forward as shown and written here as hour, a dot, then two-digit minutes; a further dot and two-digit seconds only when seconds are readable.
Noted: 3.44
